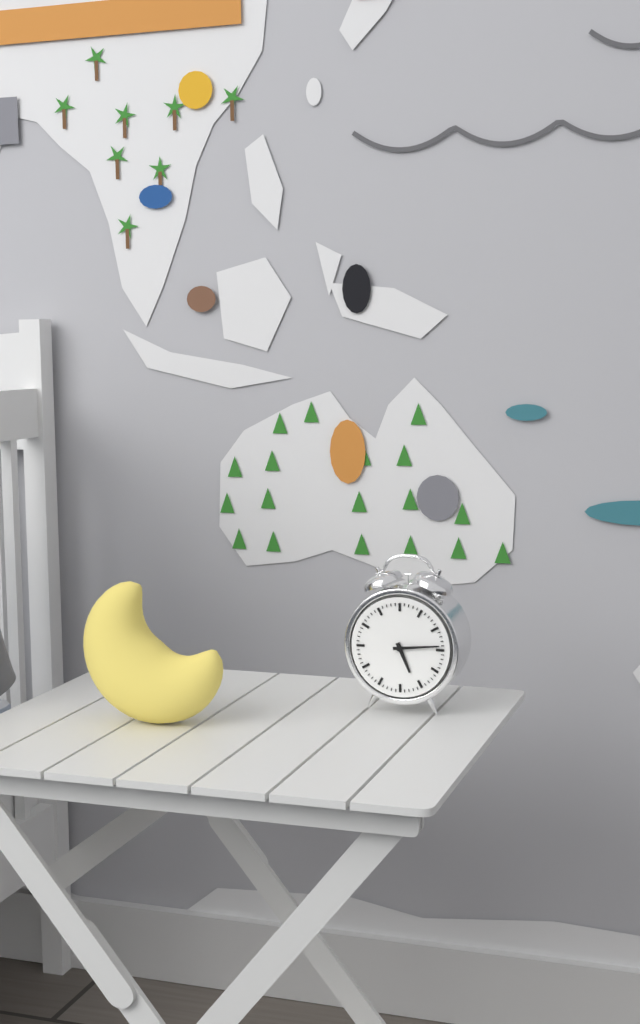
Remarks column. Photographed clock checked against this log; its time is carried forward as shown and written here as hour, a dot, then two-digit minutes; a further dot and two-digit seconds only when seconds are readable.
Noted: 5.14
